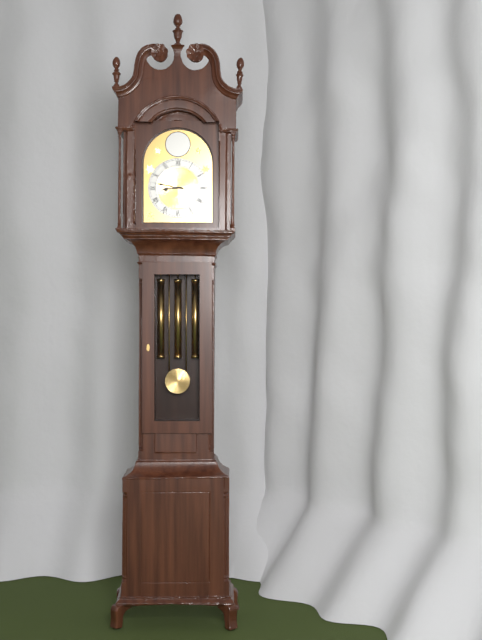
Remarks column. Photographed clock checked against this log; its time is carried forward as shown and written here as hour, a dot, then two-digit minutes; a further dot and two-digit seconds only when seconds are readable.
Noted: 8.47
